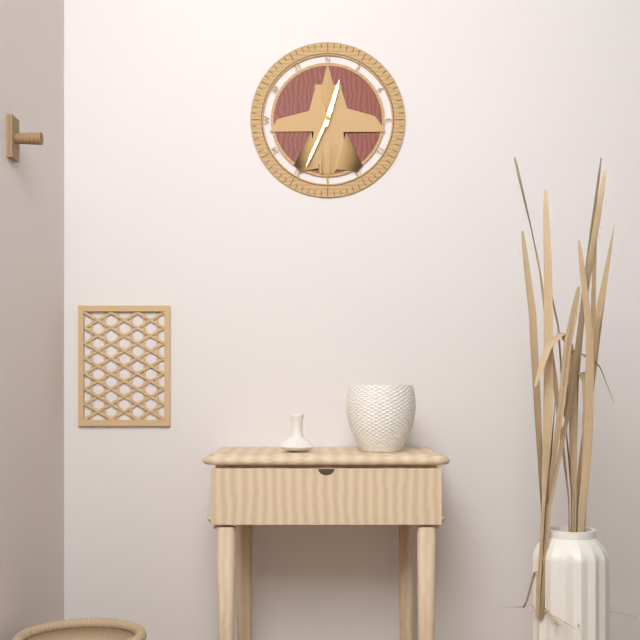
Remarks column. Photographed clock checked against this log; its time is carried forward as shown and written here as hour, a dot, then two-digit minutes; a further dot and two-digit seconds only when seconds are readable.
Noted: 12.34
